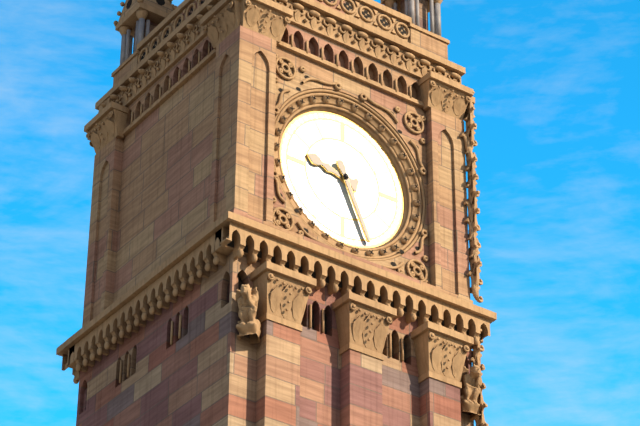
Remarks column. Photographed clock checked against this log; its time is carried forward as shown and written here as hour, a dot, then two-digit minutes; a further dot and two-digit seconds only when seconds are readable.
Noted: 9.26
